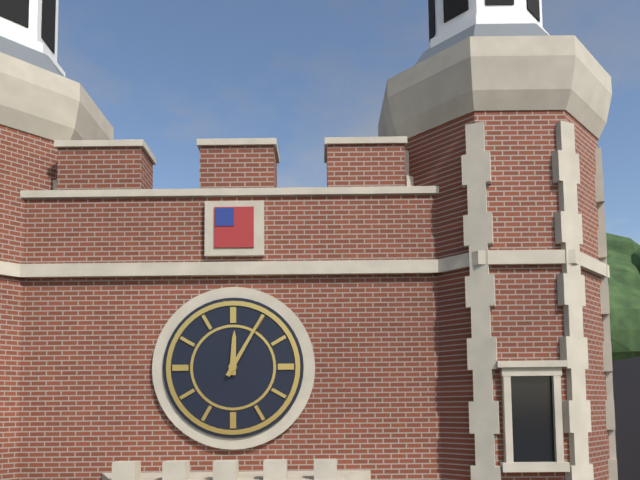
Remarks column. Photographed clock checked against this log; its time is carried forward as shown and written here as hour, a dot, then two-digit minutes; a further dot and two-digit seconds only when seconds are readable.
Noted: 12.05
